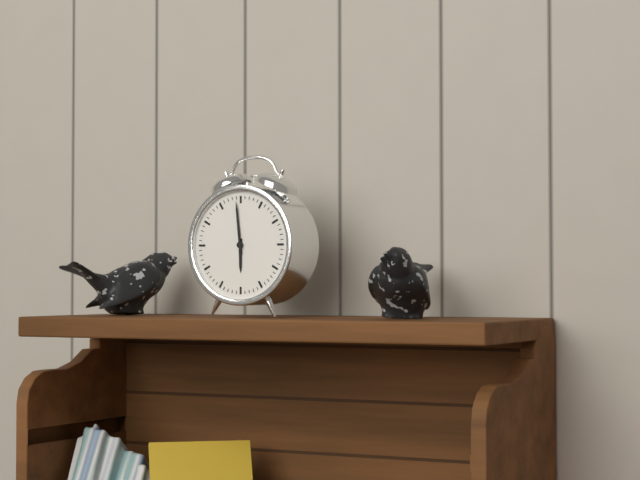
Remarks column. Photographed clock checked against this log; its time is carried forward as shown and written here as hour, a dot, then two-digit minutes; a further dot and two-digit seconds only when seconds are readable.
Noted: 5.59
